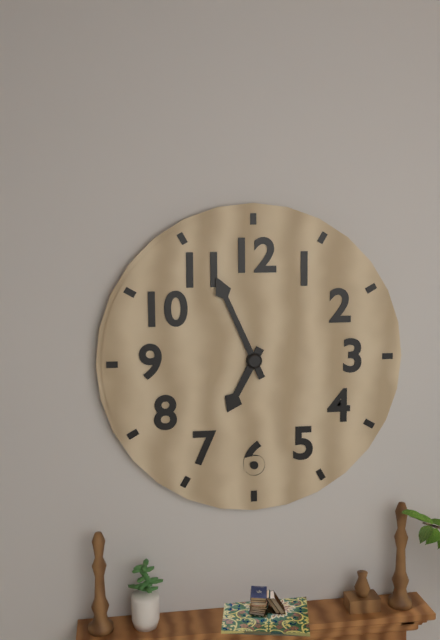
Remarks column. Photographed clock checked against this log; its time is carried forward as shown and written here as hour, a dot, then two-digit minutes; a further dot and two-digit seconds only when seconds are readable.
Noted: 6.56
